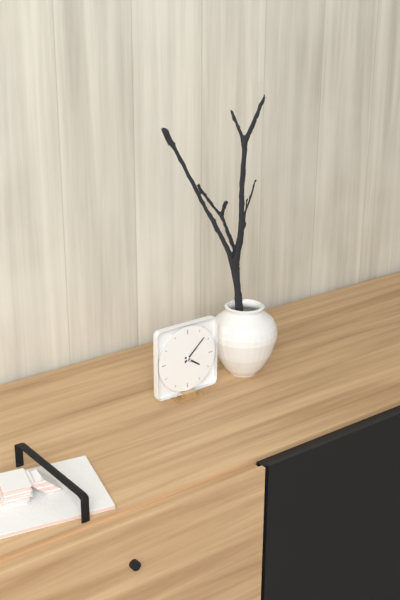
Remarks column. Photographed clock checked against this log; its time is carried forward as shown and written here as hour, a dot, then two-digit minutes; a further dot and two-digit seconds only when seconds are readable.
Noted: 4.08
